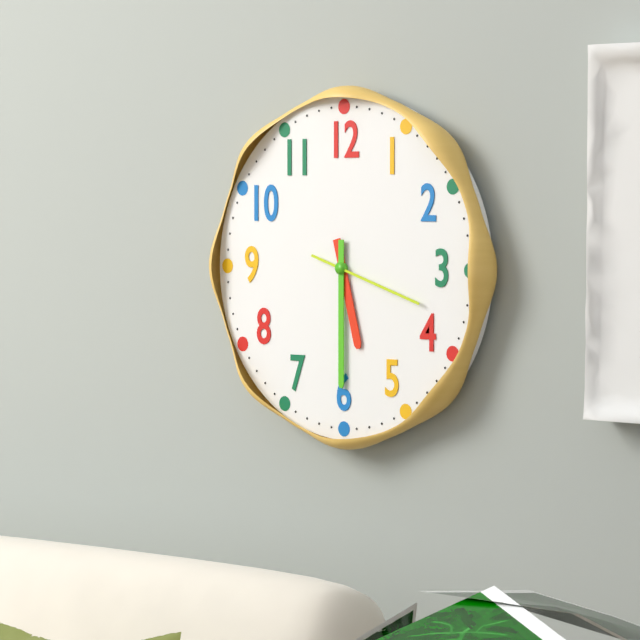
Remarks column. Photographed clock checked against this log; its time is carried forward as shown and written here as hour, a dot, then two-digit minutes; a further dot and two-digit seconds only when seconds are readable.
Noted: 5.30.18
